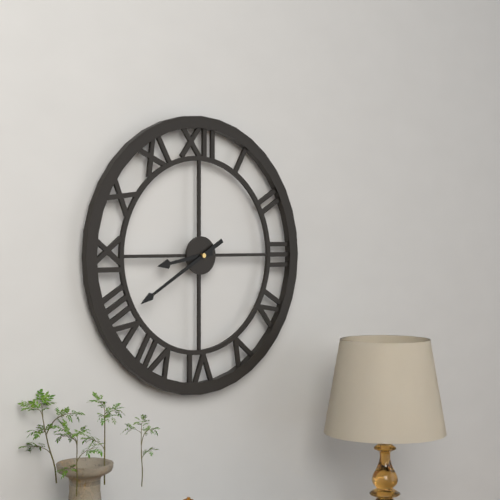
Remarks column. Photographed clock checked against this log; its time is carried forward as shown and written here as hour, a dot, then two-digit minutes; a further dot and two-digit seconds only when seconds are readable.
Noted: 8.40
